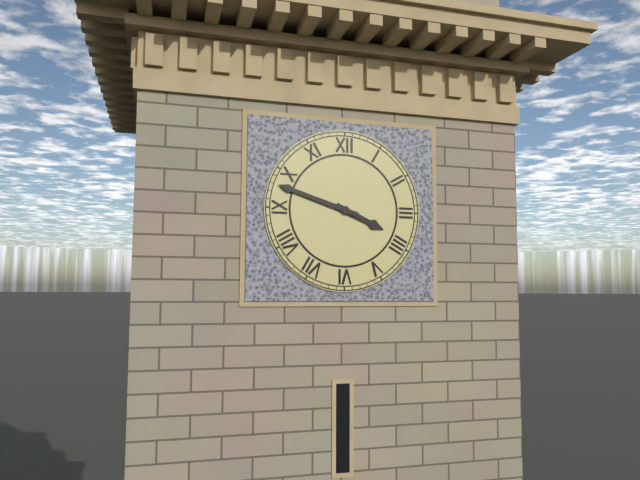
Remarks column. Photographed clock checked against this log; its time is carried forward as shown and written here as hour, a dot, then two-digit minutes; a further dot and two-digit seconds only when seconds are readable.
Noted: 3.48
